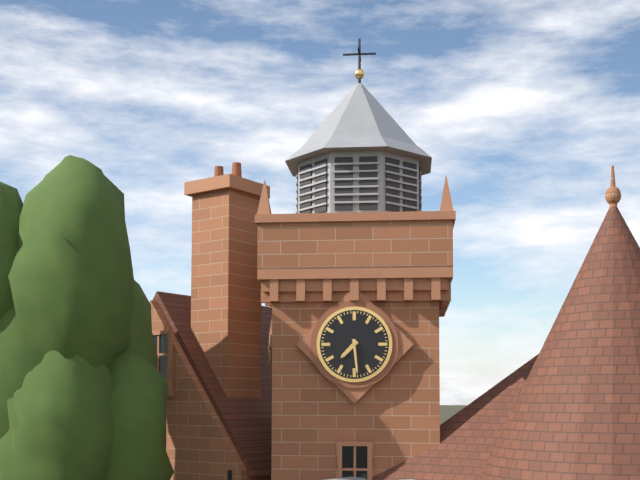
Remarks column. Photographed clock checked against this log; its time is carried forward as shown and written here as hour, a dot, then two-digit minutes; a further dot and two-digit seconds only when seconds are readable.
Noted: 7.29
